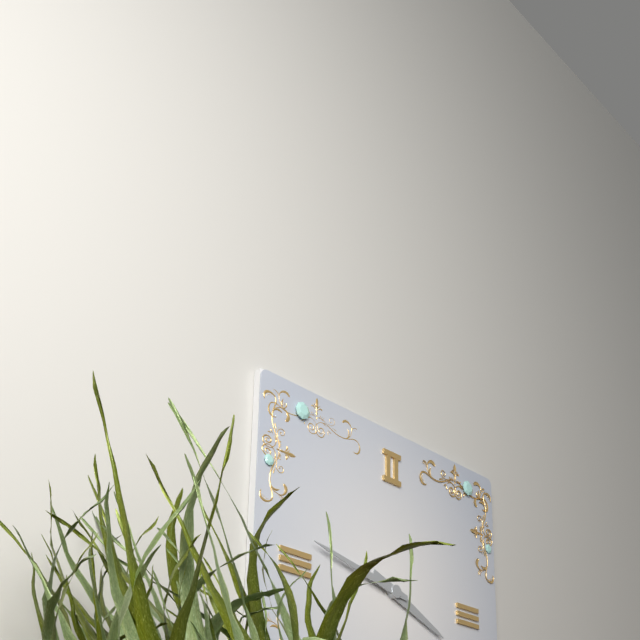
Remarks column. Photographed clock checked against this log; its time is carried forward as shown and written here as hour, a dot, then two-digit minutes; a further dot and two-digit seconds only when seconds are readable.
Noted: 3.47
